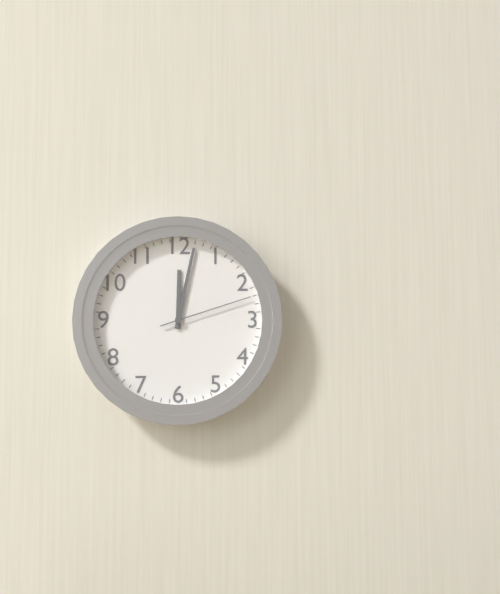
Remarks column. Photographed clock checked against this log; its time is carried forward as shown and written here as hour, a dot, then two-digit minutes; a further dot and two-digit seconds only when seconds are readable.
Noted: 12.02.12
